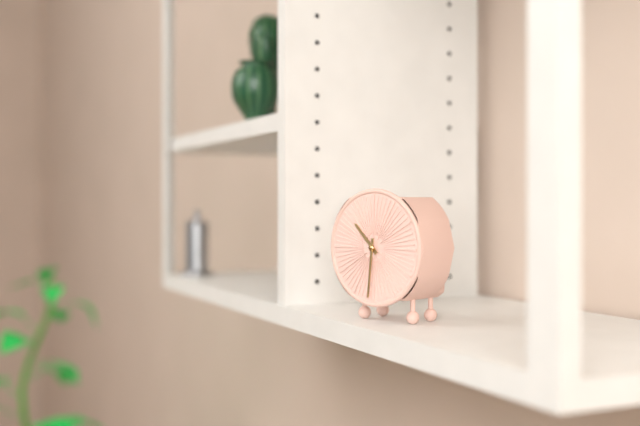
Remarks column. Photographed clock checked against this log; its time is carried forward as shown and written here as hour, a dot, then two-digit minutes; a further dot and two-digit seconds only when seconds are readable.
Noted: 10.31
